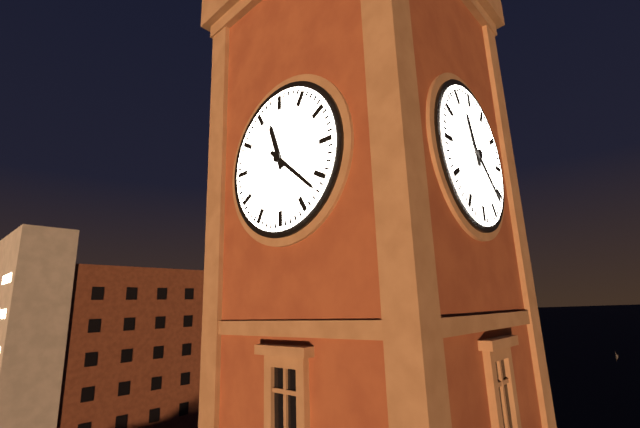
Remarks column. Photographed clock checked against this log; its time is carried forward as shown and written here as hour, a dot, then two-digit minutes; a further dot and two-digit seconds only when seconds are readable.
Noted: 11.22
